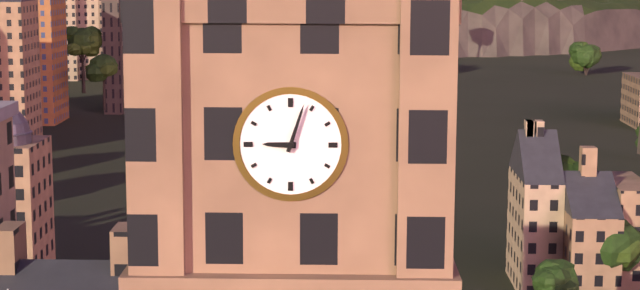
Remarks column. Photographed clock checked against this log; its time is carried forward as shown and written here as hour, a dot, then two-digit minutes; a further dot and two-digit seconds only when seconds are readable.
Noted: 9.03
